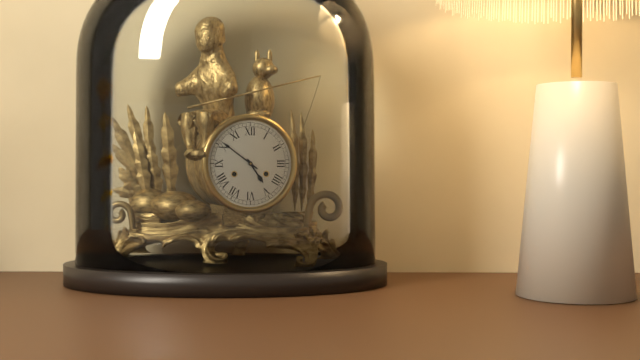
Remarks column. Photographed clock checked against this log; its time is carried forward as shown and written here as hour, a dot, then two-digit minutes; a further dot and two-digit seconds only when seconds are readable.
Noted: 4.51
